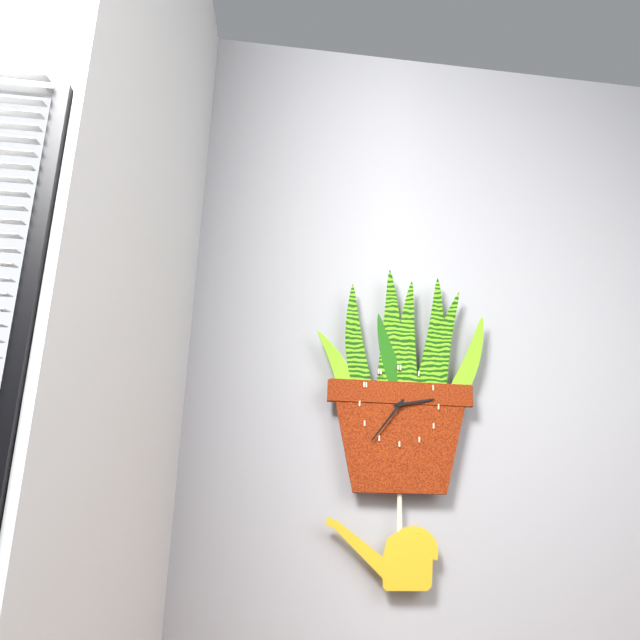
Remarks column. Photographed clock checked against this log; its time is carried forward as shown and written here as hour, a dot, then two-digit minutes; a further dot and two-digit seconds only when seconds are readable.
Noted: 2.36
